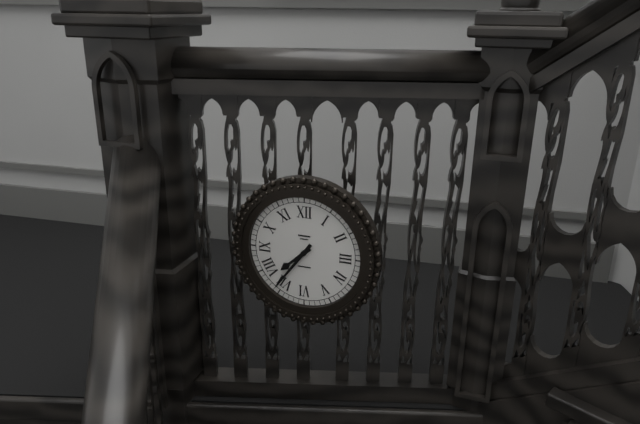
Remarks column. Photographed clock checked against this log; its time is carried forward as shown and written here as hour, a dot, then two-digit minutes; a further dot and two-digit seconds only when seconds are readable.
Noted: 7.36
